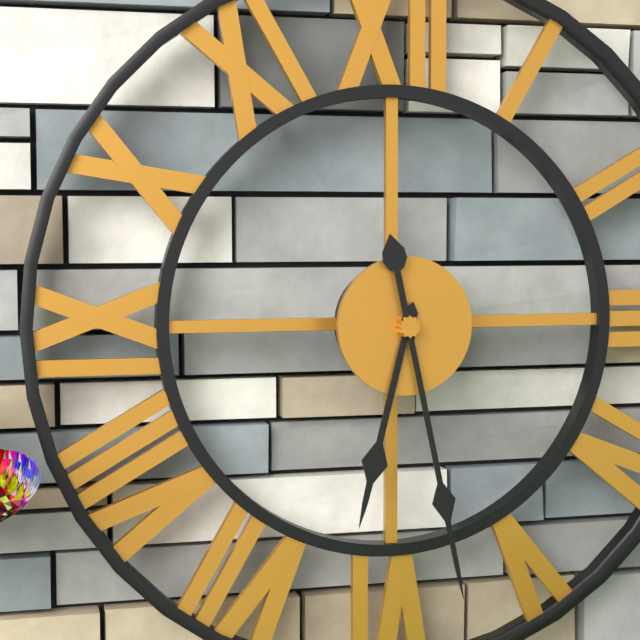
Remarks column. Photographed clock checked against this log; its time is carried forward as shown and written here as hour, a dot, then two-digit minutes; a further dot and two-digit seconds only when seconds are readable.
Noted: 6.28
